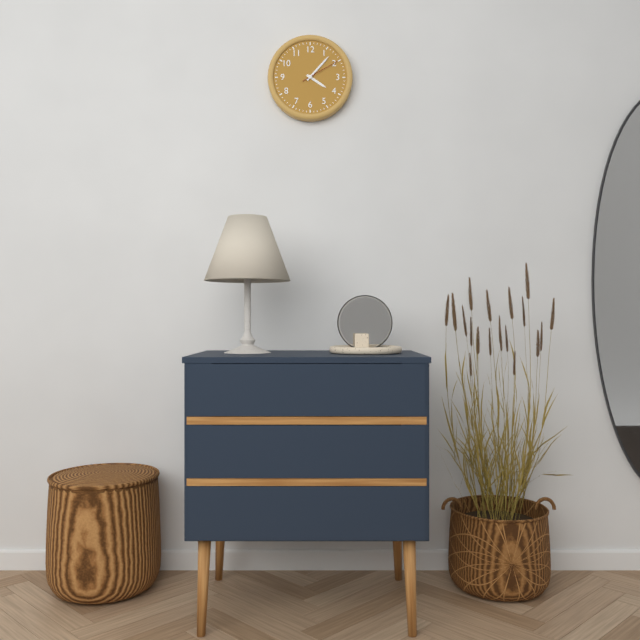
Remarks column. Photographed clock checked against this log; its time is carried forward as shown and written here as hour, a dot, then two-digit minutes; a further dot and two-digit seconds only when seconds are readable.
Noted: 4.07
